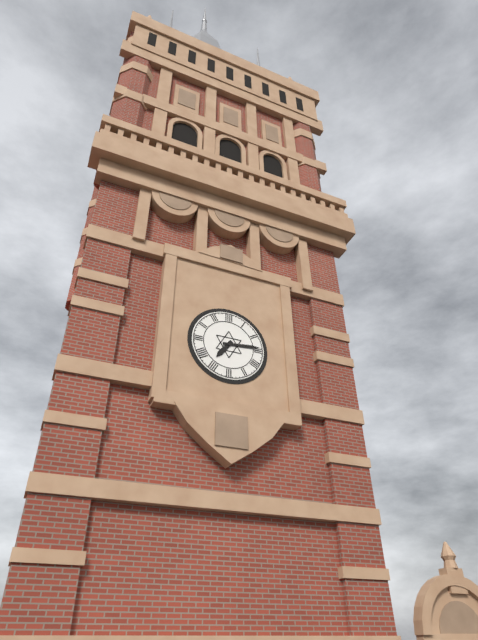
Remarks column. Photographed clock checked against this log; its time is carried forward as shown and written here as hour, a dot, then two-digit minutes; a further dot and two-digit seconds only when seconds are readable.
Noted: 7.14
